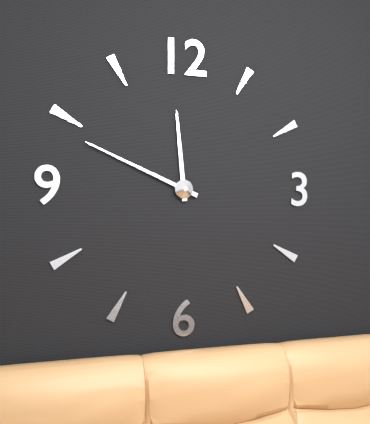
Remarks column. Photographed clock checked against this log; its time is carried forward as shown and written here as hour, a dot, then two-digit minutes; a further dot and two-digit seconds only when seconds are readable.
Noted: 11.49
